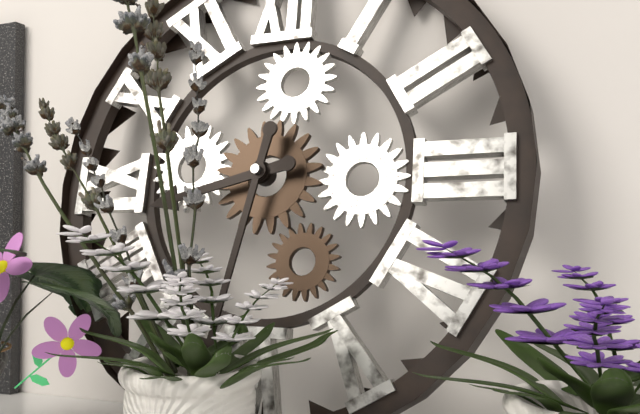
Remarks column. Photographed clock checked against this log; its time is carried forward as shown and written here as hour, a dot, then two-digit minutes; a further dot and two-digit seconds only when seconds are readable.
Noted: 8.32
